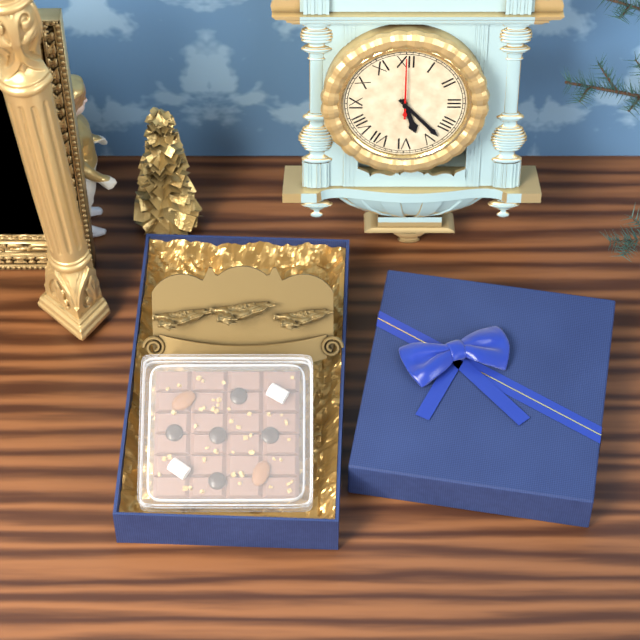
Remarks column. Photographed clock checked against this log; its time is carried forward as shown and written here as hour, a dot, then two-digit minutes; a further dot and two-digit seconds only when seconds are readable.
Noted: 5.23.00
